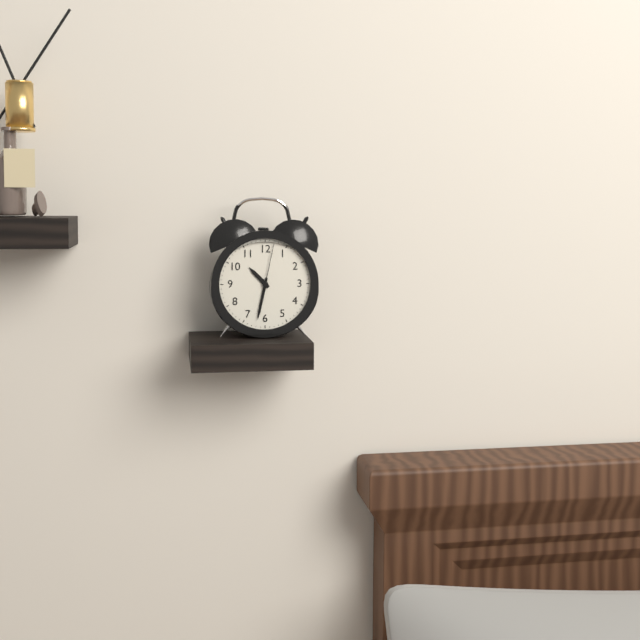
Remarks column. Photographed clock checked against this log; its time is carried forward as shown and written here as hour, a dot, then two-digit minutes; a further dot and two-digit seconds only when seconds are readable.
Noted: 10.32.02
